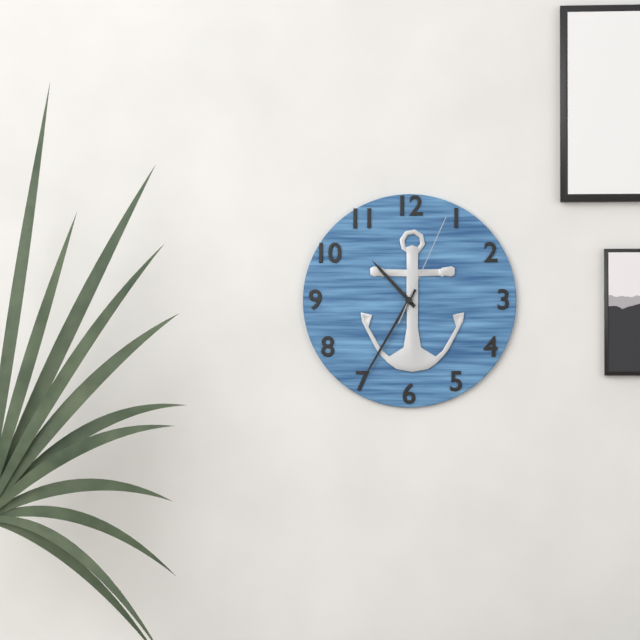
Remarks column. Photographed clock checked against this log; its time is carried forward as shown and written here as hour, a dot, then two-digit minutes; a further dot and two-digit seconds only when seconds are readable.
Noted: 10.35.04
